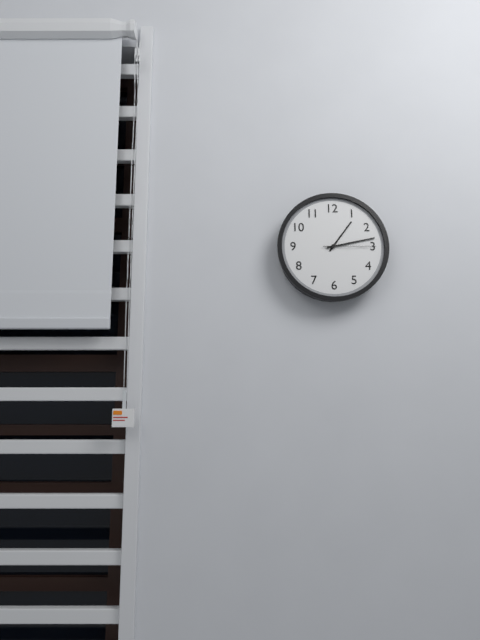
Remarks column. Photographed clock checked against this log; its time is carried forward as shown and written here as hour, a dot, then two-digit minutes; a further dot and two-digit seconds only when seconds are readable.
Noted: 1.13.15
